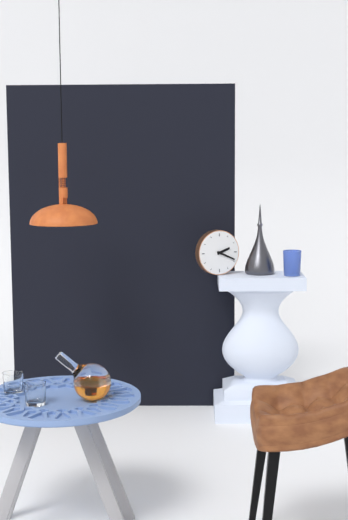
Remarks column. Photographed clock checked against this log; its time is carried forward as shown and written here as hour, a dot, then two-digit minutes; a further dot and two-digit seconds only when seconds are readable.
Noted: 2.19
